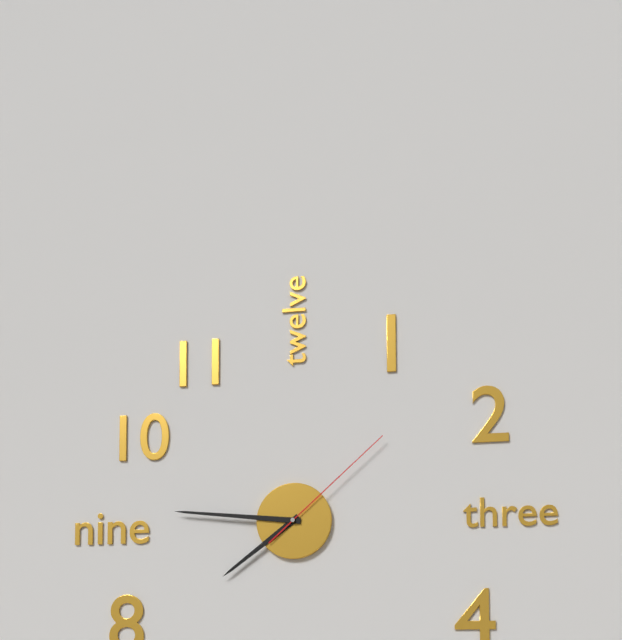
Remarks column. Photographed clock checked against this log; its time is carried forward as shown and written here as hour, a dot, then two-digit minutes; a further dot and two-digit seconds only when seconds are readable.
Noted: 7.46.08
